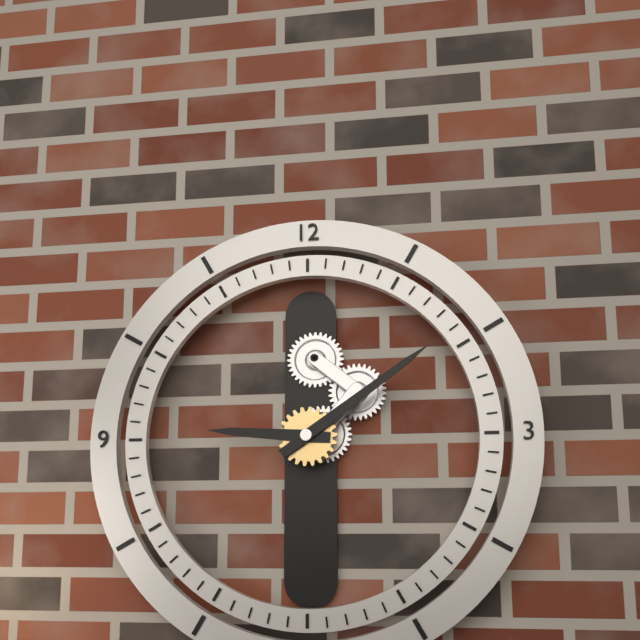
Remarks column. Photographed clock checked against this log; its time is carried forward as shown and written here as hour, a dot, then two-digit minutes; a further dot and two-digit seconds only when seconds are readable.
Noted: 9.09
